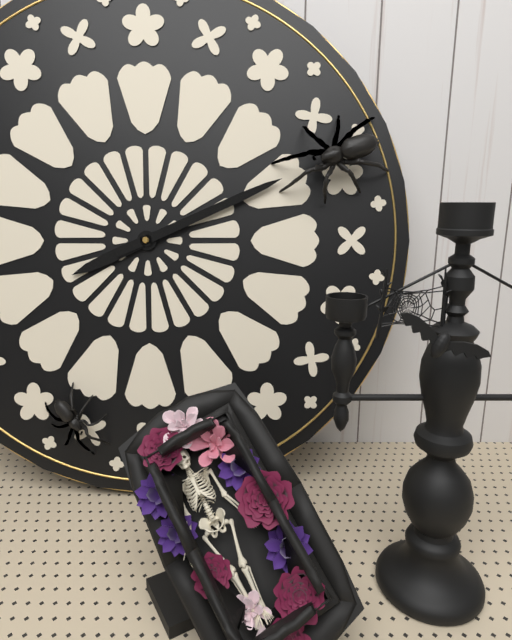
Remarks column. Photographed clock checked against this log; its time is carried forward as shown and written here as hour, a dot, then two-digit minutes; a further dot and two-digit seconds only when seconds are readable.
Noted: 8.11
